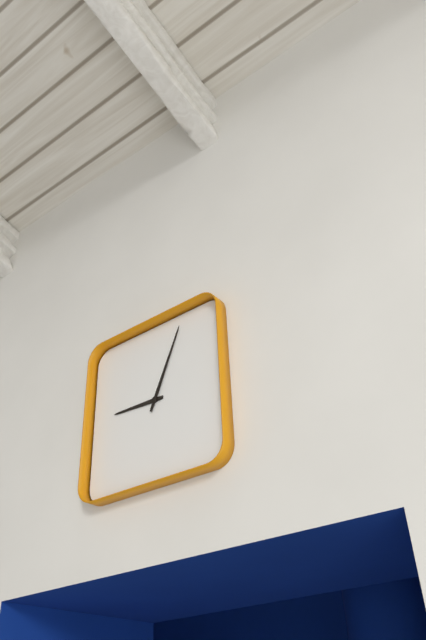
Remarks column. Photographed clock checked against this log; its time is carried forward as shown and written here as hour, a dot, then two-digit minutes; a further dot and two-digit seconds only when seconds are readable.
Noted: 9.04
